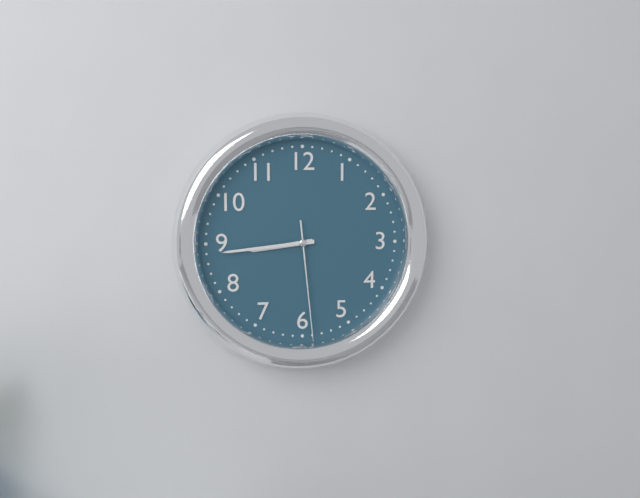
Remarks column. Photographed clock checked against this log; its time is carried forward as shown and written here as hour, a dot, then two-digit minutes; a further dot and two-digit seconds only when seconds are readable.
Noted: 8.44.29
